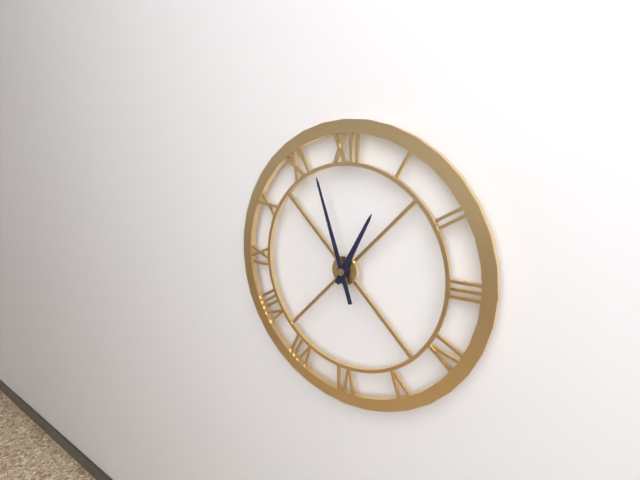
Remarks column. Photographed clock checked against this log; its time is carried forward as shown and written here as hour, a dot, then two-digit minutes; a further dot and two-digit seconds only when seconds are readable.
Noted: 12.57
